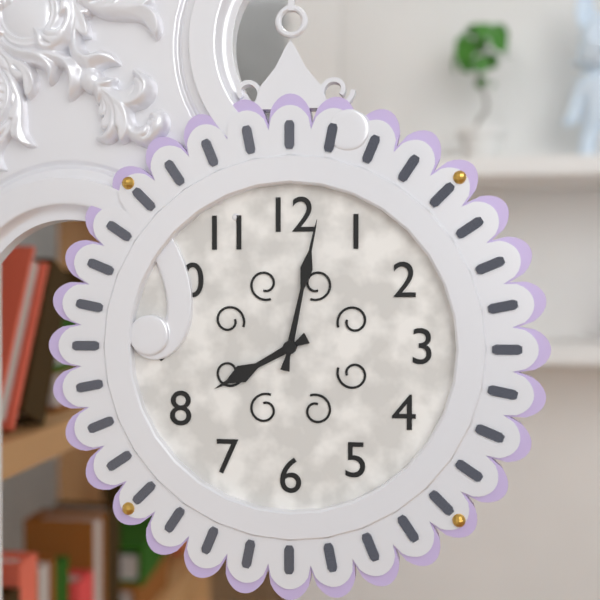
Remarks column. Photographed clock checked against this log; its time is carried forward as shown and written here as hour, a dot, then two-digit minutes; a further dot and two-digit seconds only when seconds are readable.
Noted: 8.02
